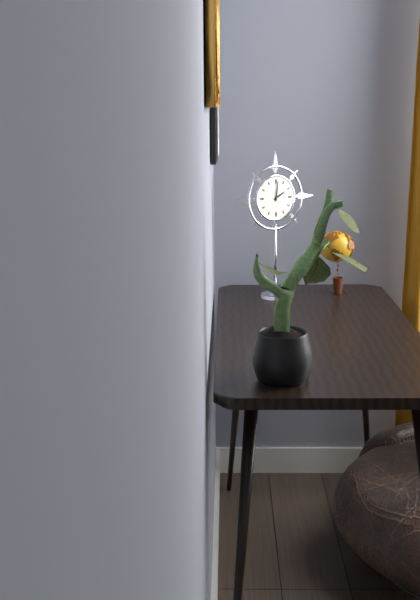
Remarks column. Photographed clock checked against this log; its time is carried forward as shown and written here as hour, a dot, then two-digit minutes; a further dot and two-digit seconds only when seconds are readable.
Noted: 2.01
